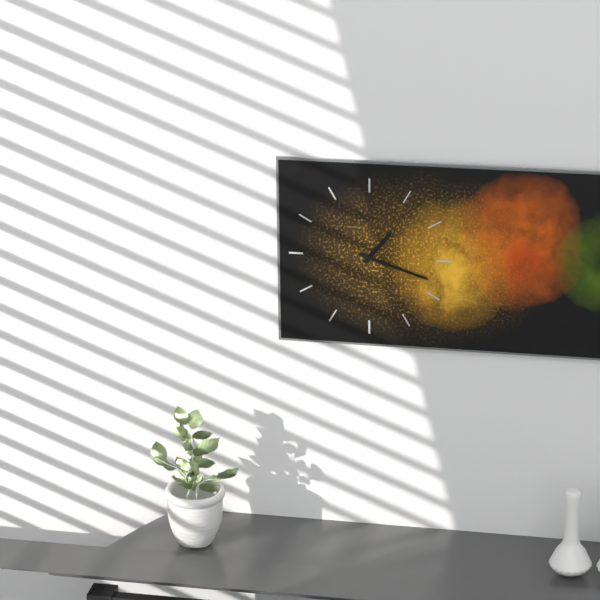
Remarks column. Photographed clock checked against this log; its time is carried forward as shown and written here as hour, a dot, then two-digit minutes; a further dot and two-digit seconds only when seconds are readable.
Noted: 1.18
